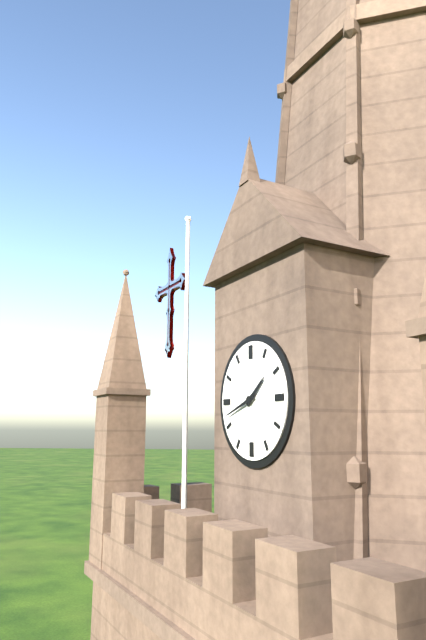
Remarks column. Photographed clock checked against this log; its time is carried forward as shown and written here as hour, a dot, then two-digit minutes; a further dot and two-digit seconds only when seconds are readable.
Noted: 1.42
